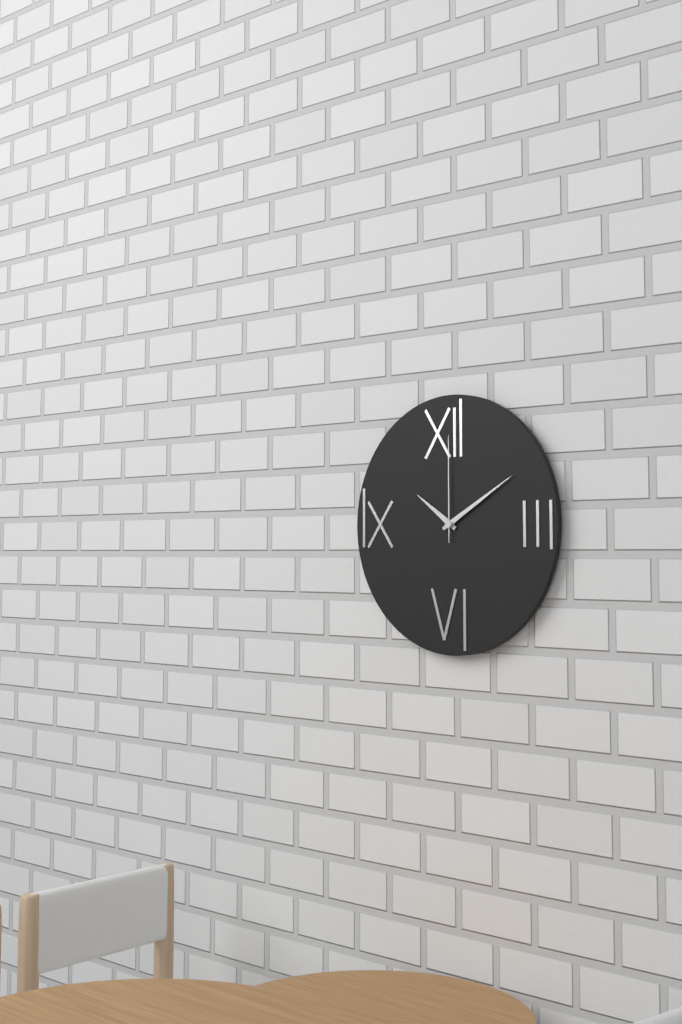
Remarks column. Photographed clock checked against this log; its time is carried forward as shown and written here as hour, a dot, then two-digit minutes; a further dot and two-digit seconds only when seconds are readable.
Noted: 10.10.00
